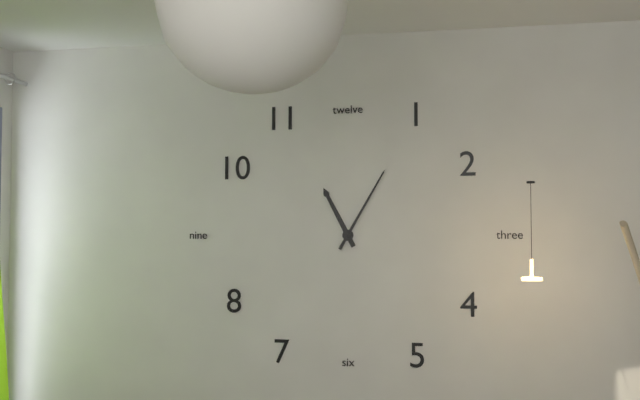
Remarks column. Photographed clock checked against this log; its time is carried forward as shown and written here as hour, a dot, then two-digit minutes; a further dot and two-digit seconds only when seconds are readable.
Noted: 11.05
